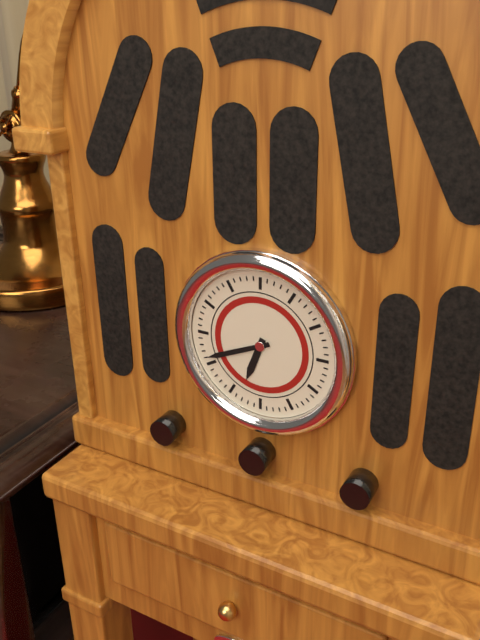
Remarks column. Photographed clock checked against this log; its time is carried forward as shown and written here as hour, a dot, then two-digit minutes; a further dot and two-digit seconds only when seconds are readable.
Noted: 6.41
